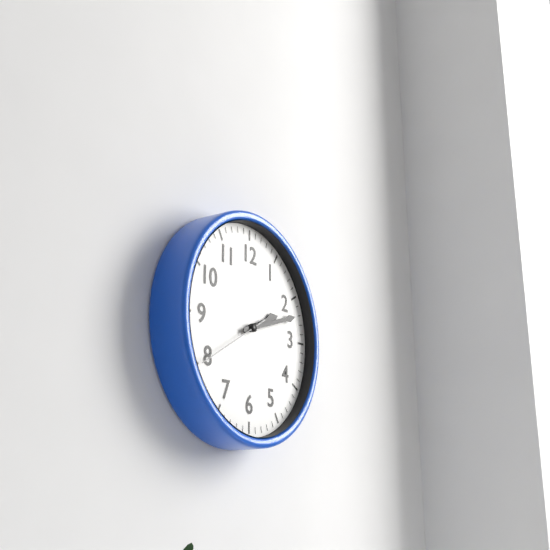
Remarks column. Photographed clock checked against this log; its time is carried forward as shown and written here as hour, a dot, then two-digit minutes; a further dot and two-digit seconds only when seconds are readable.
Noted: 2.12.40
